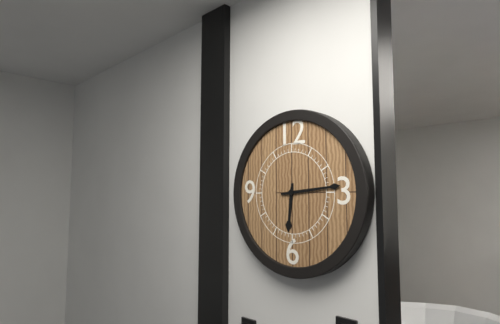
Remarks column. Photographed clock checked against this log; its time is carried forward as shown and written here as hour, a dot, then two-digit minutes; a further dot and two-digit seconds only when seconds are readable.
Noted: 6.14
